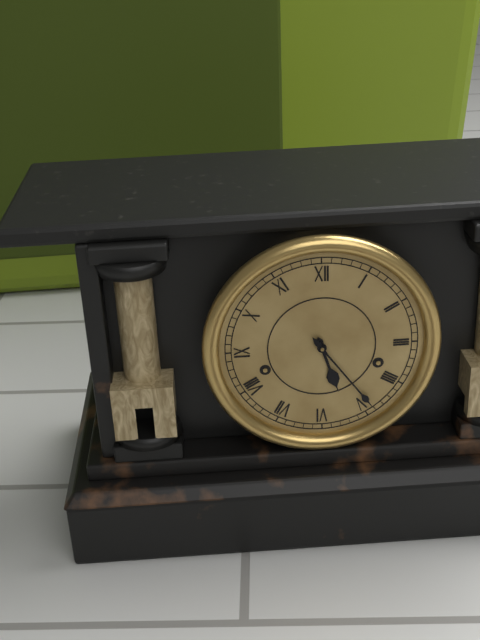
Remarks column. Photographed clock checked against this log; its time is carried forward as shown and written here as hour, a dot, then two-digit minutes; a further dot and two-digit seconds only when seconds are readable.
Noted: 5.24
